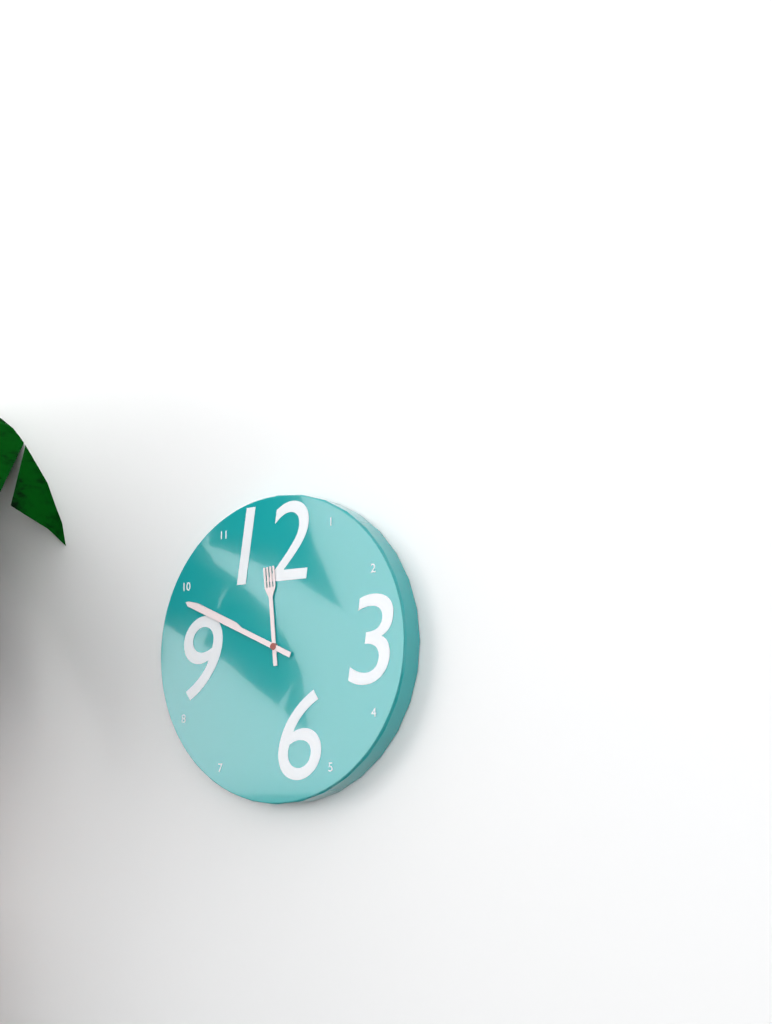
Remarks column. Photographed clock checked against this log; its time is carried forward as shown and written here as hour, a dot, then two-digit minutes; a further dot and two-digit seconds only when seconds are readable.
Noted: 11.49
